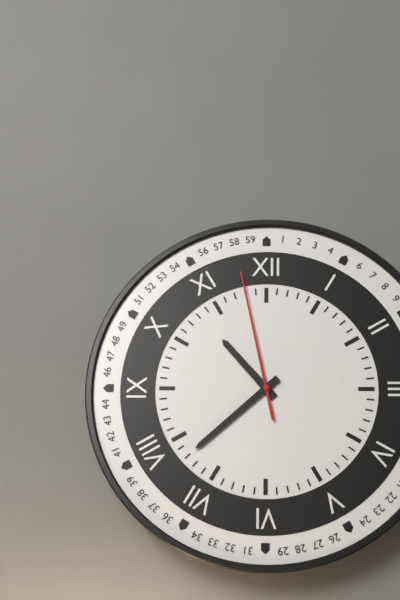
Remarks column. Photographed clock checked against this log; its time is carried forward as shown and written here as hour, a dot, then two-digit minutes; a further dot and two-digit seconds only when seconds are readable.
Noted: 10.38.58
